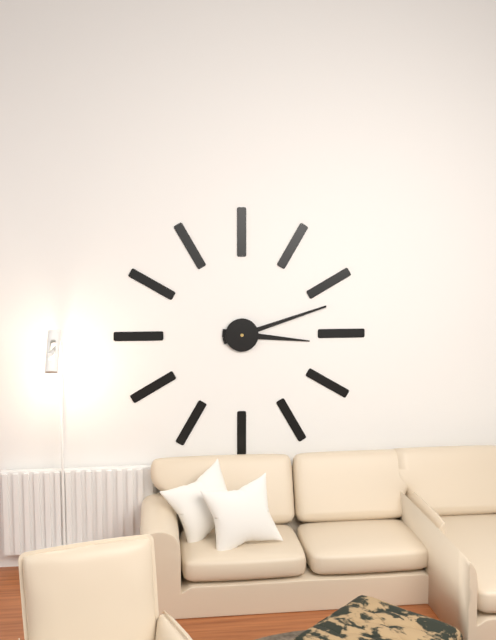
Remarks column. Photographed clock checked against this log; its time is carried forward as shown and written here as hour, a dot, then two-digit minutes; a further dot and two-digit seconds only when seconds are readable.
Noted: 3.12
